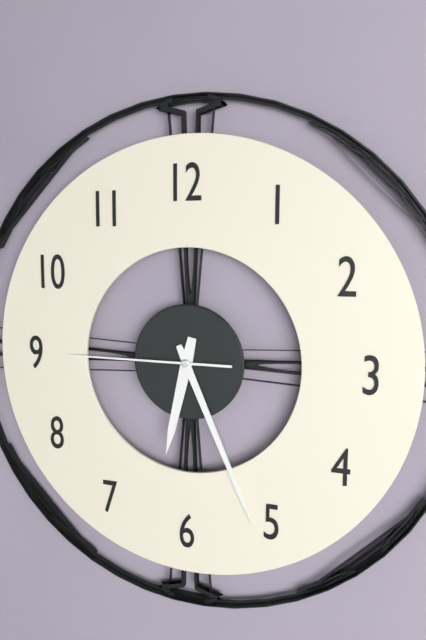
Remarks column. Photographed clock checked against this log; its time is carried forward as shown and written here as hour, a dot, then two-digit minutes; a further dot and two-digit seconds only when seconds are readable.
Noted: 6.26.45
